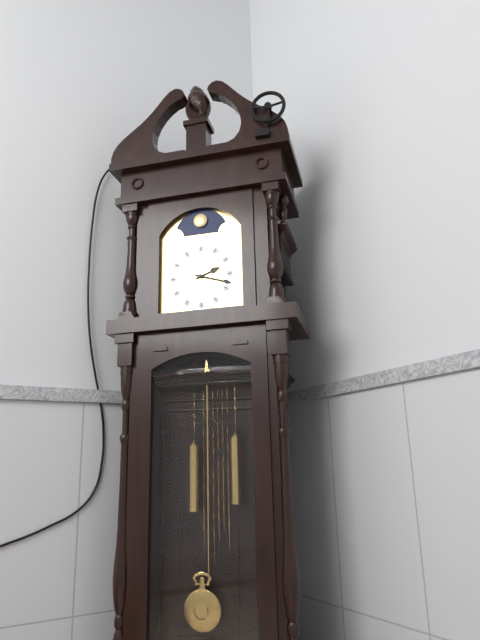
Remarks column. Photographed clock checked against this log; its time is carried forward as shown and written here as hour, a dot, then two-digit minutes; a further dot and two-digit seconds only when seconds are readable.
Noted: 2.18
